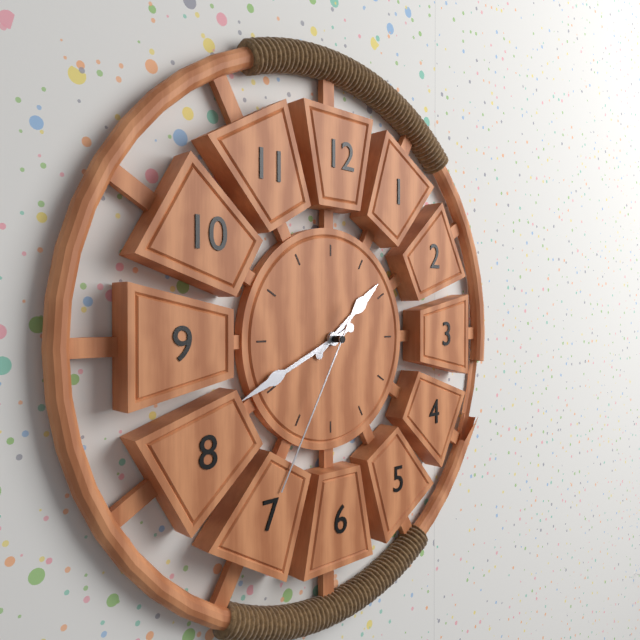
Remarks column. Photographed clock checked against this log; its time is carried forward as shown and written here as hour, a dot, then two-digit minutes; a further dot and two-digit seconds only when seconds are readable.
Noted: 1.41.35
